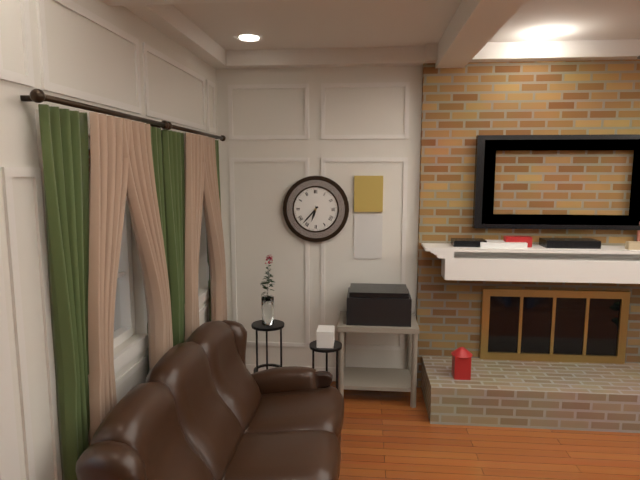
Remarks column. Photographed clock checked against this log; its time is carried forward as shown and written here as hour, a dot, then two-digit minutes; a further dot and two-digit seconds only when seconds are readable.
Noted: 6.37
